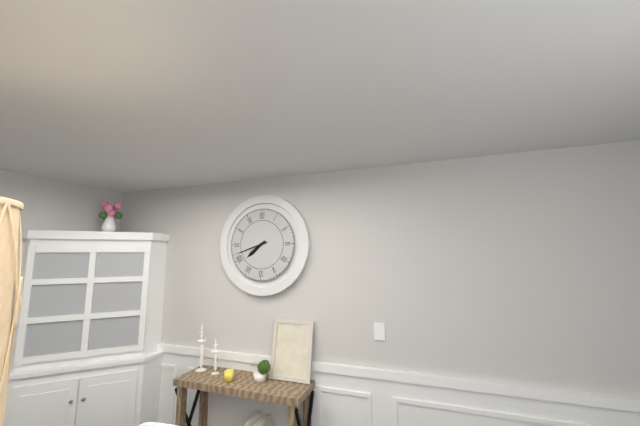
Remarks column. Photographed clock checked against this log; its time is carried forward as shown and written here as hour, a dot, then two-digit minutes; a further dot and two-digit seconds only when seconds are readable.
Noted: 7.42
